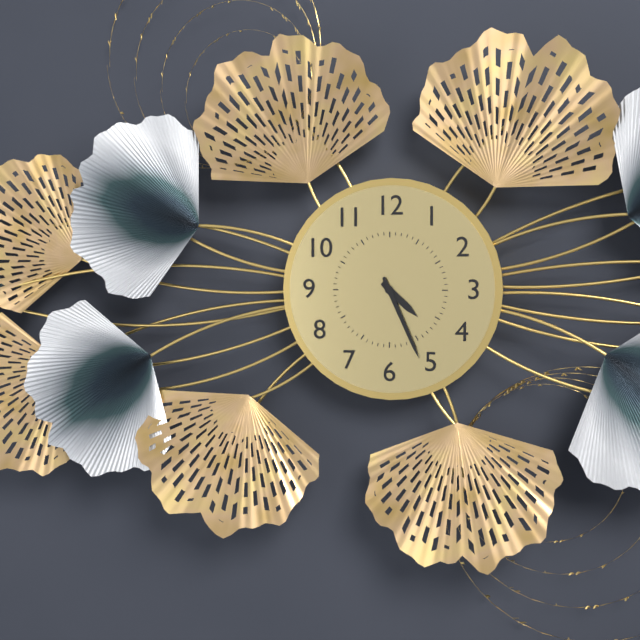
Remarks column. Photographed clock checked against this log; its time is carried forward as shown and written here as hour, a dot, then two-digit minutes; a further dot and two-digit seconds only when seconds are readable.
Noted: 4.26
